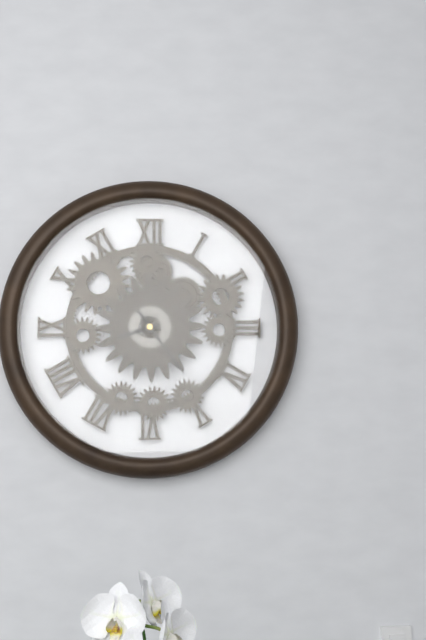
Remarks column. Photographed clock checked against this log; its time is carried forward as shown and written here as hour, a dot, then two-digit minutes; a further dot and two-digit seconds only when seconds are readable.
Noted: 8.24
